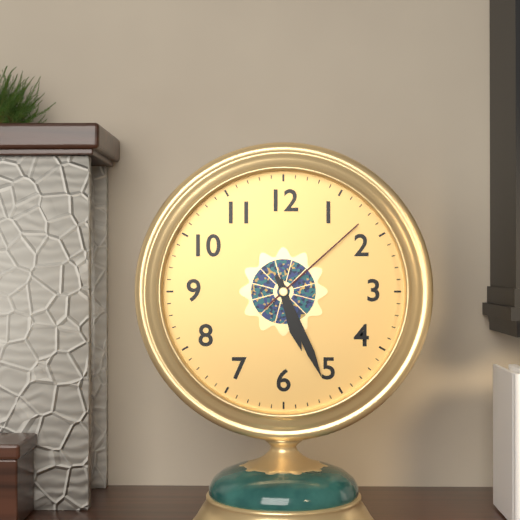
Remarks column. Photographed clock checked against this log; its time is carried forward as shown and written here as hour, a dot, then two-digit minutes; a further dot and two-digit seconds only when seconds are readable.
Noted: 5.26.08
